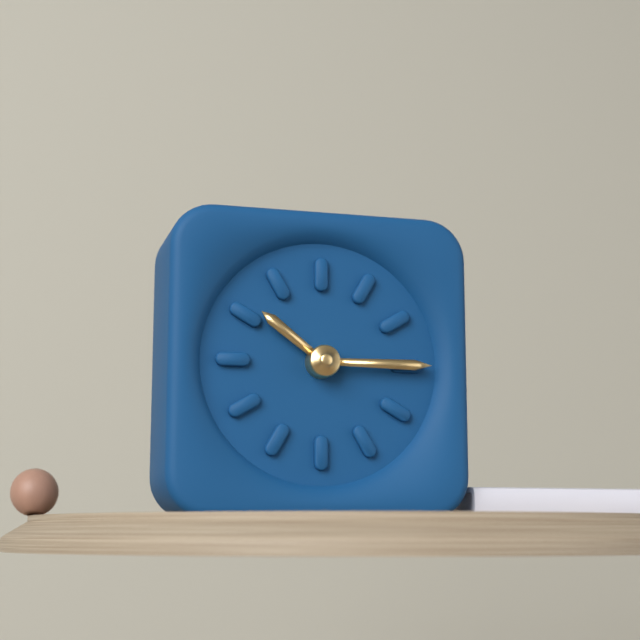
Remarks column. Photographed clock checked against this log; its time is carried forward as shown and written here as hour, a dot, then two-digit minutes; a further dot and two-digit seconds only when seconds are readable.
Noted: 10.15
